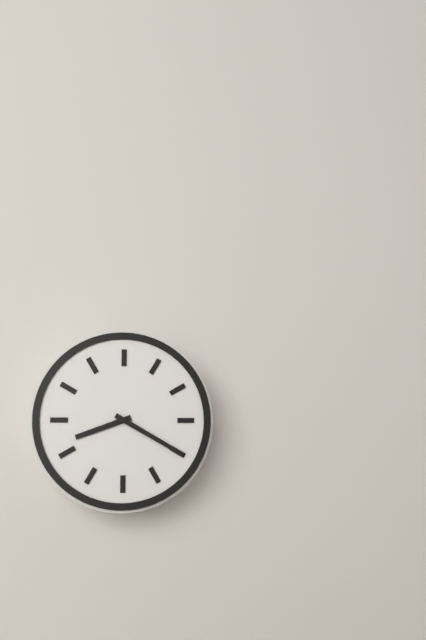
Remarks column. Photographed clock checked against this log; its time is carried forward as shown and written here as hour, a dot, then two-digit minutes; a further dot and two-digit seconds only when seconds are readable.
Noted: 8.20
